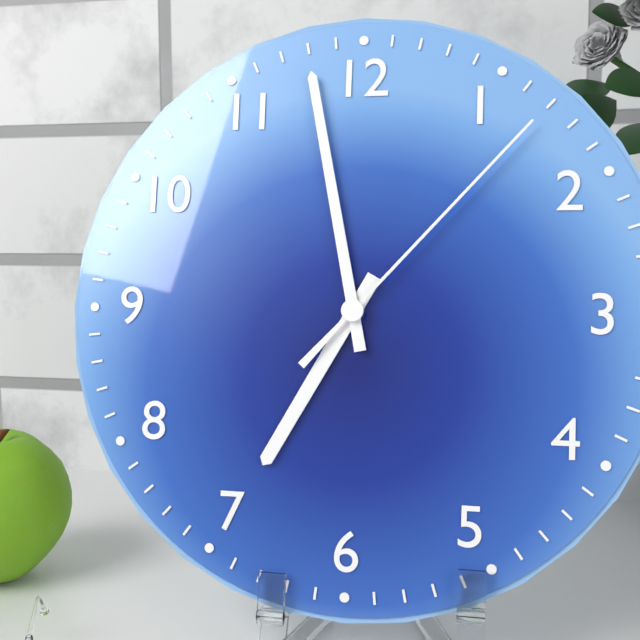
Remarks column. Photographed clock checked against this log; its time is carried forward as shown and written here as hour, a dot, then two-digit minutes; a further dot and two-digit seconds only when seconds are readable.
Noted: 6.58.07
